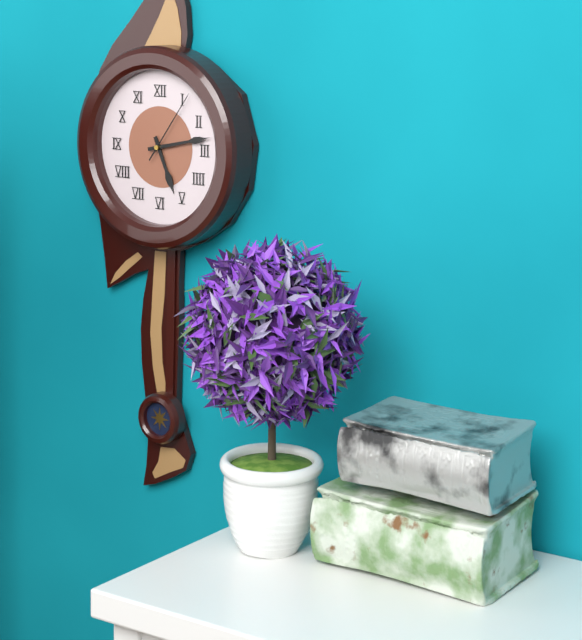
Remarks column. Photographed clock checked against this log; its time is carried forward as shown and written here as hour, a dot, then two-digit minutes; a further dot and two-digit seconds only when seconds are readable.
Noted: 5.13.06
